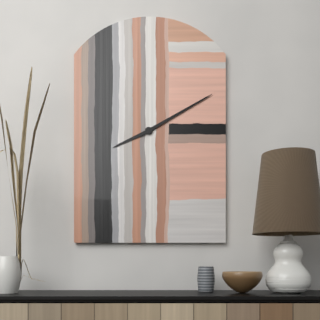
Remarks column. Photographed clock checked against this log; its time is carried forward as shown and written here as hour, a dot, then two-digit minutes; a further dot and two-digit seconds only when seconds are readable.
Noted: 8.10
